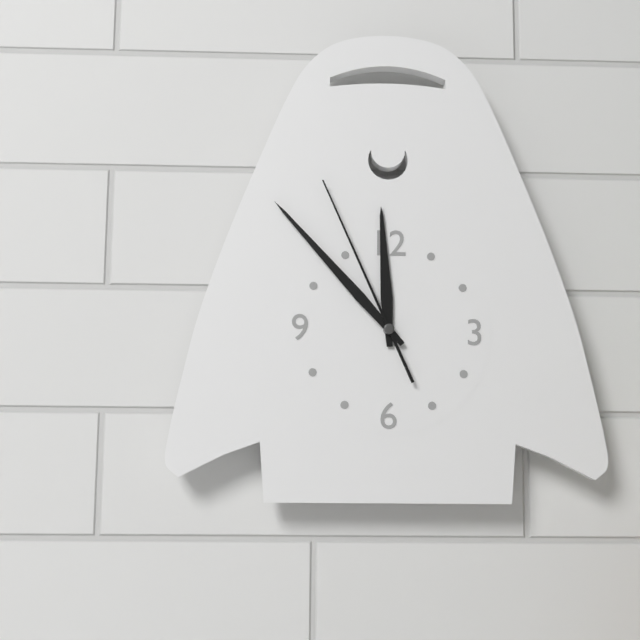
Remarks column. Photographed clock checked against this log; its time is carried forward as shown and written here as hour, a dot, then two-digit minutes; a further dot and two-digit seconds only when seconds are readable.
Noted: 11.53.56
